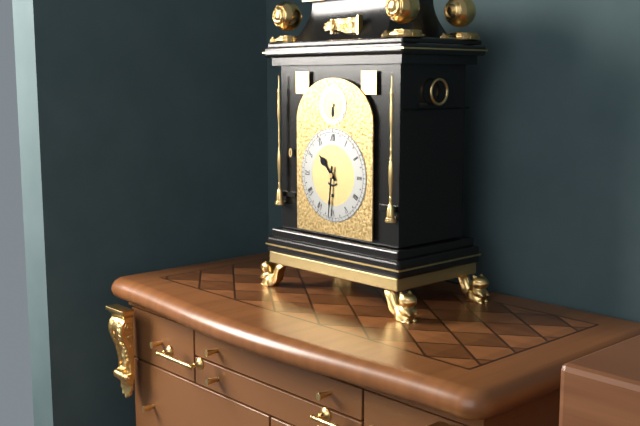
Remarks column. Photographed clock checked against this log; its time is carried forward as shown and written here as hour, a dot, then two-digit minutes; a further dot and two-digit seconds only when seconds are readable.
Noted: 10.31
